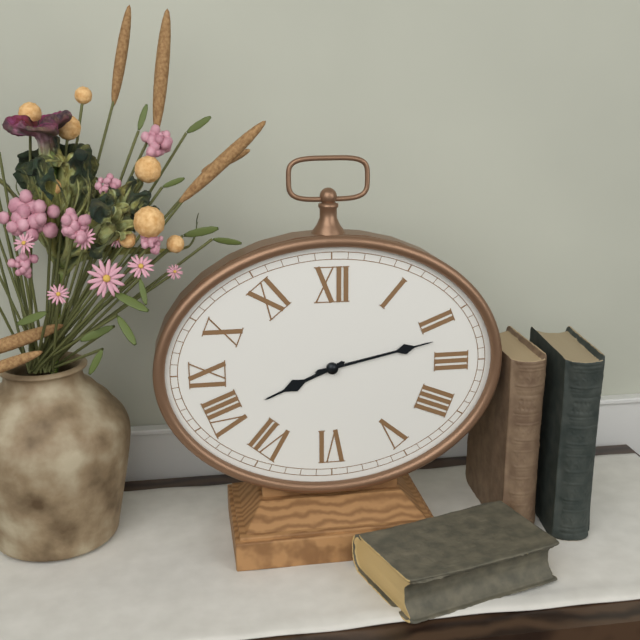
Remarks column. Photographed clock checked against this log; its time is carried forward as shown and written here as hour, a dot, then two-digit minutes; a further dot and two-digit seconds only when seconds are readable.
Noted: 8.13
